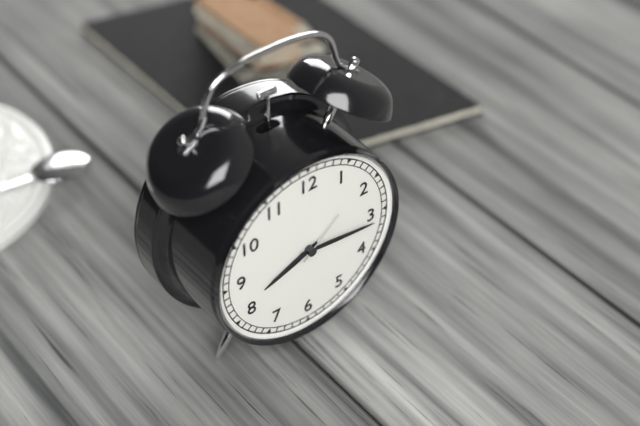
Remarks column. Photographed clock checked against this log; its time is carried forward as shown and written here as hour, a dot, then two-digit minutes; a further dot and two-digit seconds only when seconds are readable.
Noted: 8.16.08
